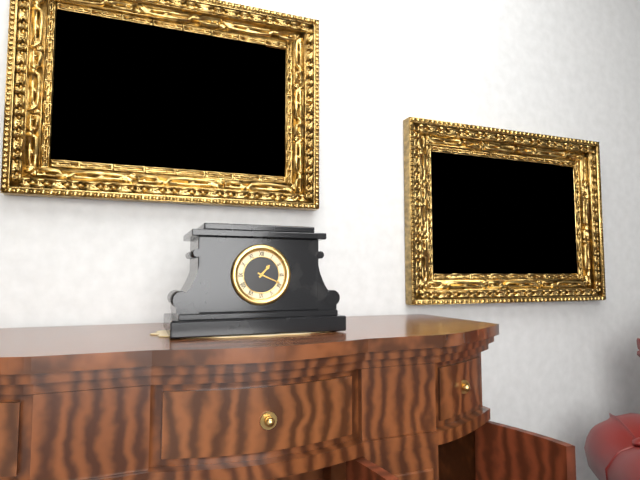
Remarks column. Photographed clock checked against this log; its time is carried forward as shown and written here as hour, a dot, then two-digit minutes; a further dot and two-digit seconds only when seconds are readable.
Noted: 1.19
